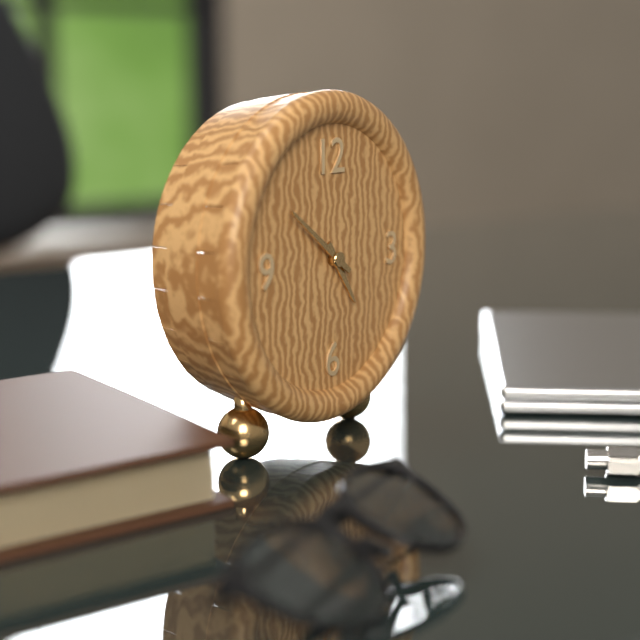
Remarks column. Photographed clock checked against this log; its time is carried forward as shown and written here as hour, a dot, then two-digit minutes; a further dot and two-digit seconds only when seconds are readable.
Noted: 4.51
